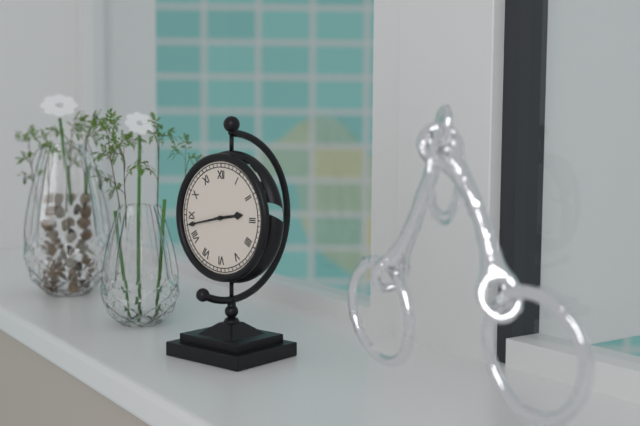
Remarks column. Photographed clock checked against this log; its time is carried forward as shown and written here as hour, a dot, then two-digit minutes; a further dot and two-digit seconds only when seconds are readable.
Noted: 2.43
